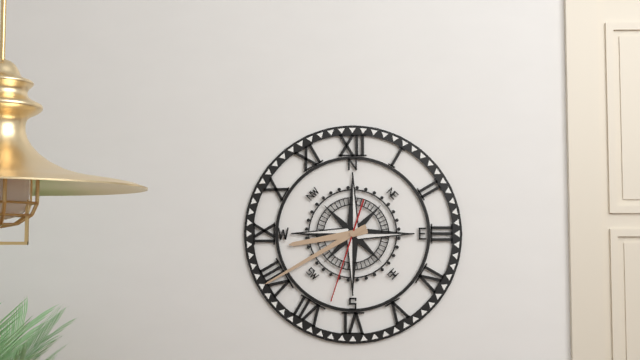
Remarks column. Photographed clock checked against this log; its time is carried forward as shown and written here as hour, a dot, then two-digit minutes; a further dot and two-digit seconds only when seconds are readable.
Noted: 8.40.33
